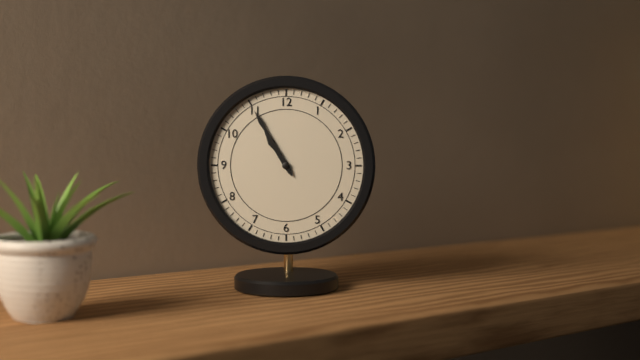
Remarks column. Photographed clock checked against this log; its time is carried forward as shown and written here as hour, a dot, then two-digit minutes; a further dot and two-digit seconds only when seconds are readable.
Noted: 10.55
